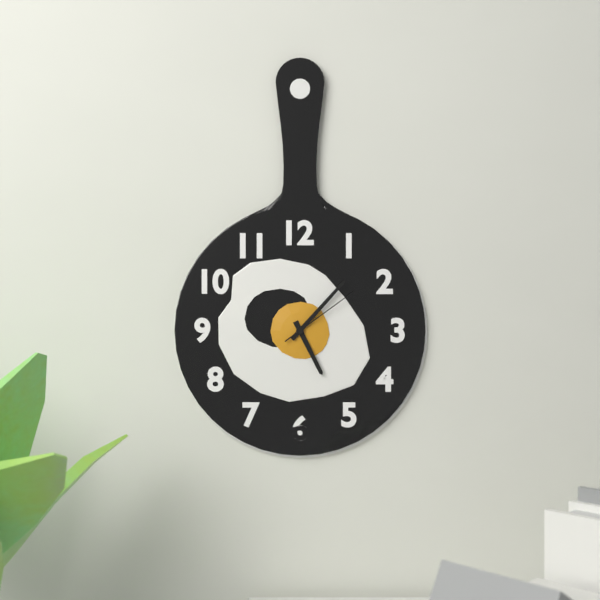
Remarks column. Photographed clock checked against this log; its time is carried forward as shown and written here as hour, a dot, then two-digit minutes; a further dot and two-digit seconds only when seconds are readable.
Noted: 5.07.09
